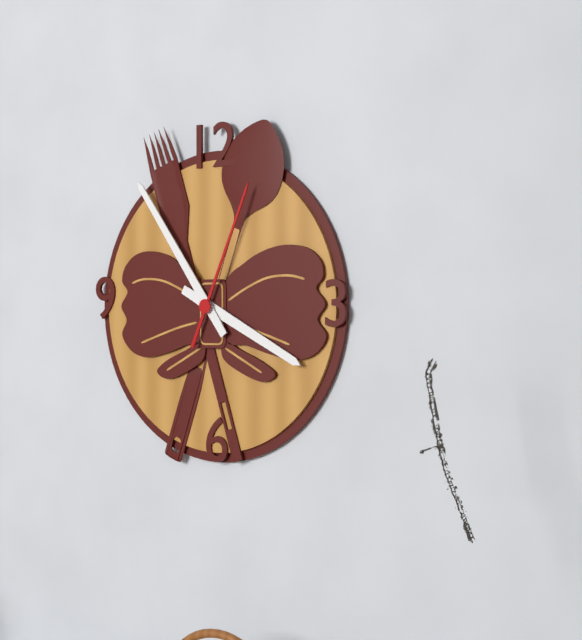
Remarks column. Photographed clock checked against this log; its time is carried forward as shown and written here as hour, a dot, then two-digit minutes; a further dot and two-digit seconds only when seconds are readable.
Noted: 3.54.04
